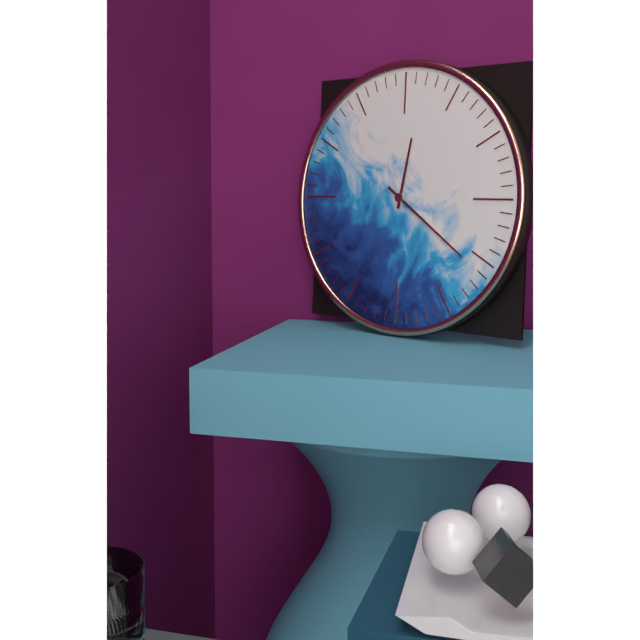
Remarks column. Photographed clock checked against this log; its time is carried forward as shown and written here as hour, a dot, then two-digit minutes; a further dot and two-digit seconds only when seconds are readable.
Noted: 12.21
